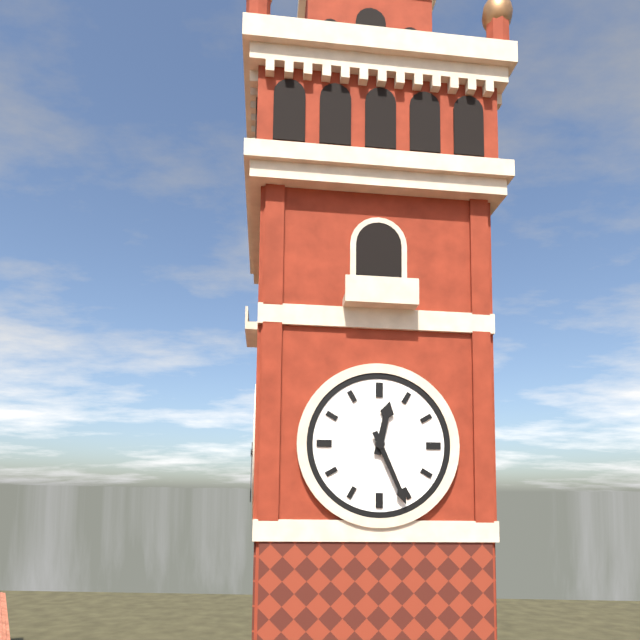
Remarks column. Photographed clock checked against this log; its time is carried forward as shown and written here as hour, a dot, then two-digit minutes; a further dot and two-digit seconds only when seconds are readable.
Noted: 12.26
